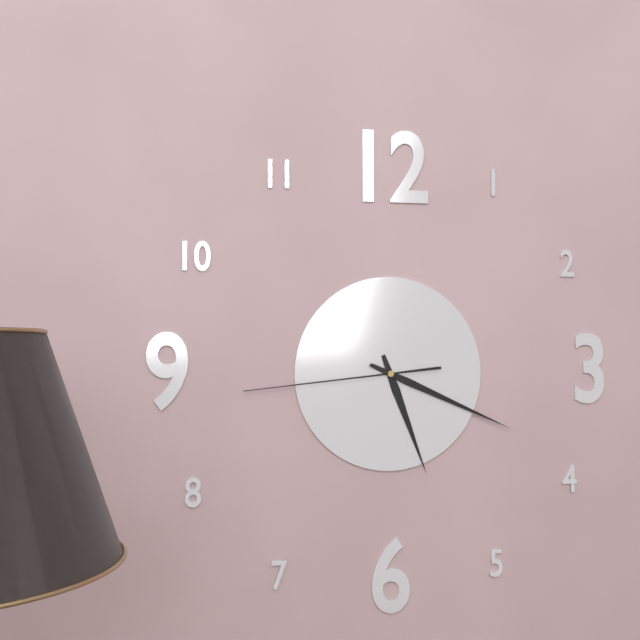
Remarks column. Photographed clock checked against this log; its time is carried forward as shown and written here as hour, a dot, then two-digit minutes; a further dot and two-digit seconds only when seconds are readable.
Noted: 5.19.44
